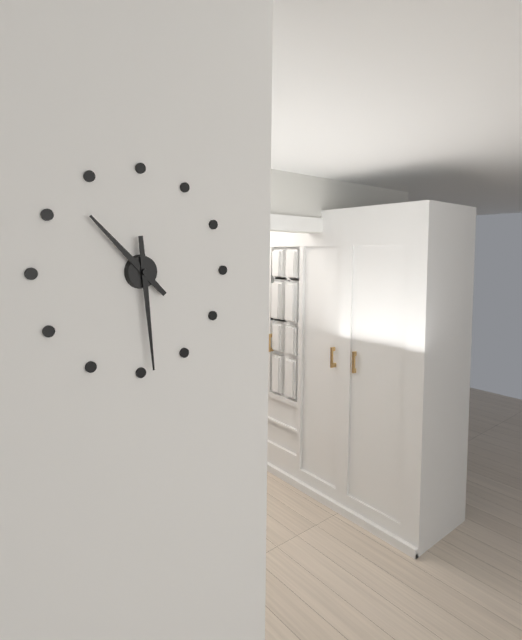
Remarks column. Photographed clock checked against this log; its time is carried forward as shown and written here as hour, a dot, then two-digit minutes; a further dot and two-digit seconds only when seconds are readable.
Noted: 10.29
